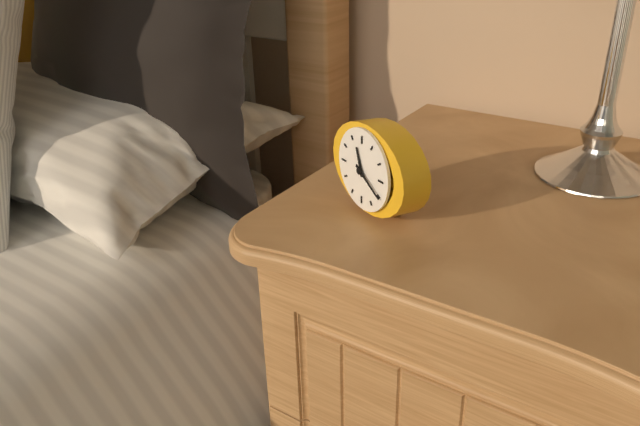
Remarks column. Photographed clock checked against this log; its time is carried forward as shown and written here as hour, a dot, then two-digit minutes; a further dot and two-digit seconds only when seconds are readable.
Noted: 11.20
